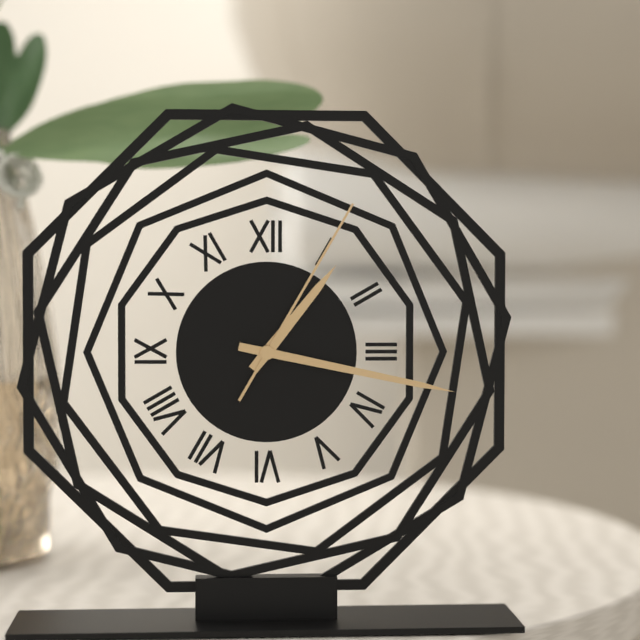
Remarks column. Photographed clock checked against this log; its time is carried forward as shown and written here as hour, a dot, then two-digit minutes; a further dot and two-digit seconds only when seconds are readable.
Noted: 1.17.05
